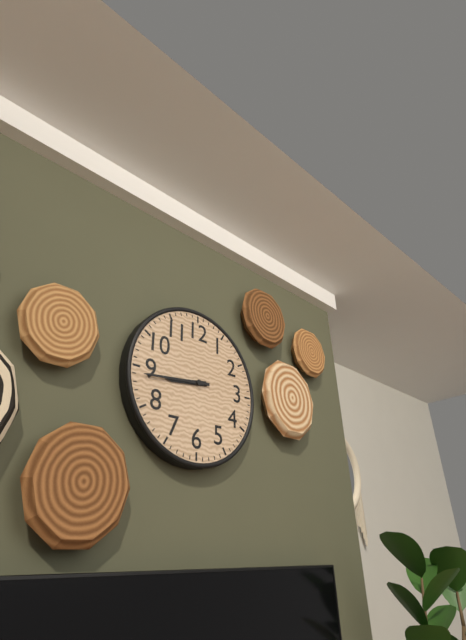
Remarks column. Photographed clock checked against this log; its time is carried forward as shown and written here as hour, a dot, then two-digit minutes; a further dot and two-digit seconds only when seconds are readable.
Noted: 8.44
